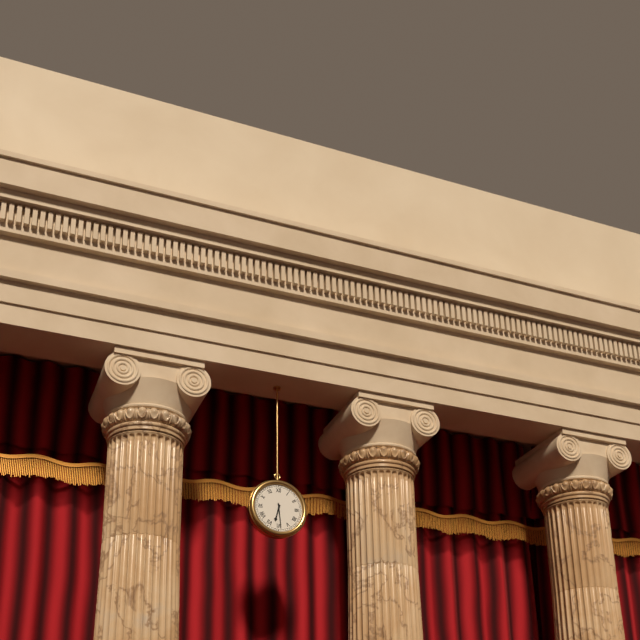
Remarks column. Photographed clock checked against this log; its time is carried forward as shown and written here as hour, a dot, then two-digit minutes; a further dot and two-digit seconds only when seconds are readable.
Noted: 6.29
